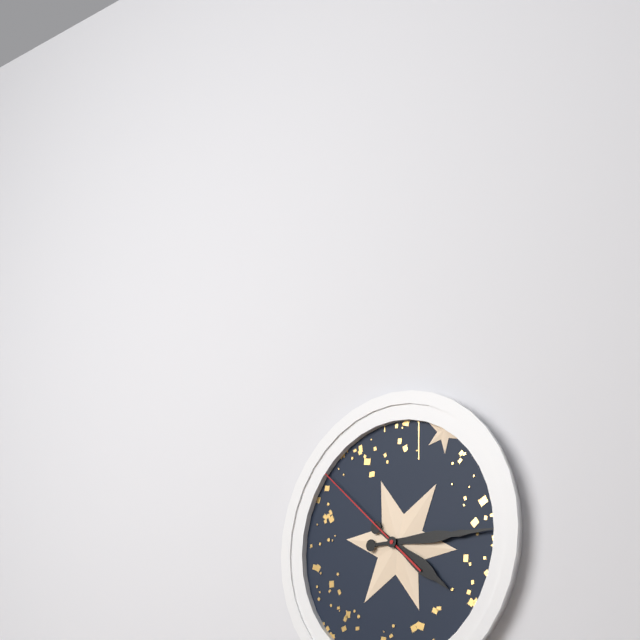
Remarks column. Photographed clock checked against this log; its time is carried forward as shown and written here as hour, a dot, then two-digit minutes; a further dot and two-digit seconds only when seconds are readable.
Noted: 4.15.52
